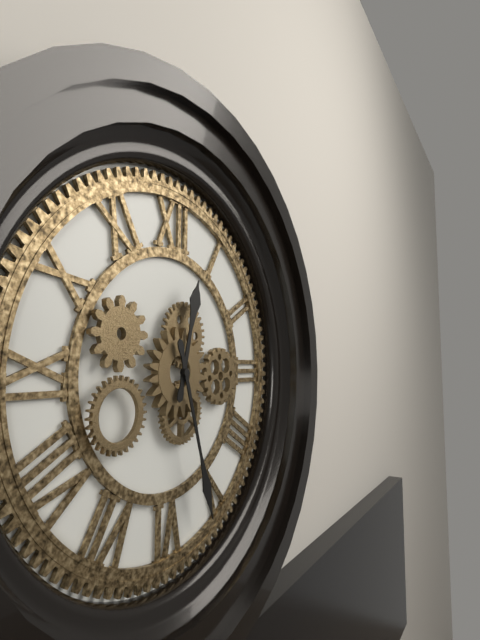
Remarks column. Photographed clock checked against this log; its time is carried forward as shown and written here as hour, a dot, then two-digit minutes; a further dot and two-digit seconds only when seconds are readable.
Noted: 12.27
